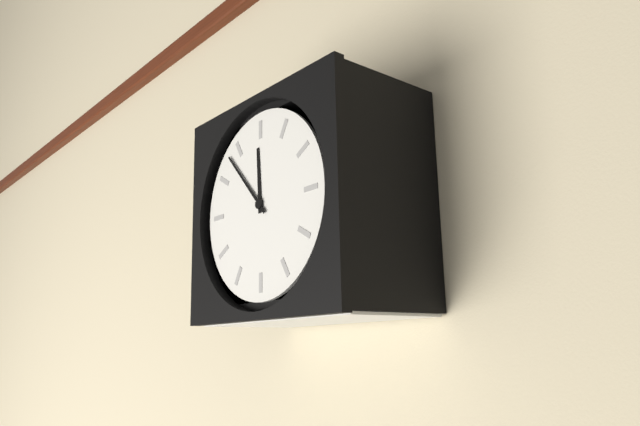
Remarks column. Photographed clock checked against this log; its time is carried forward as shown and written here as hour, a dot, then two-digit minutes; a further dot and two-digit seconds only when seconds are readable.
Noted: 11.53
